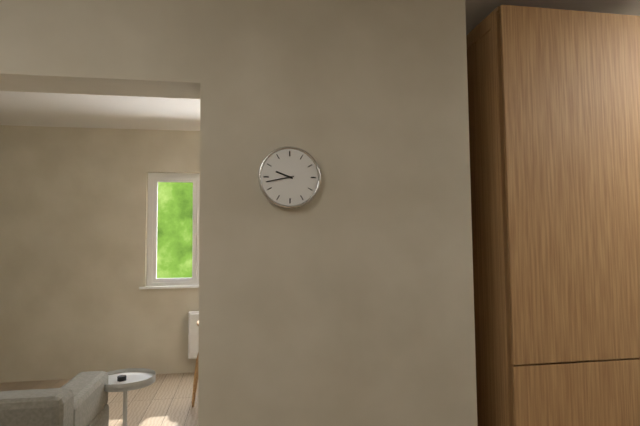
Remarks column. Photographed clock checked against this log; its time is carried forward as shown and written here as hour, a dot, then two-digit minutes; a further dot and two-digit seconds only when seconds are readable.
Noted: 9.43
